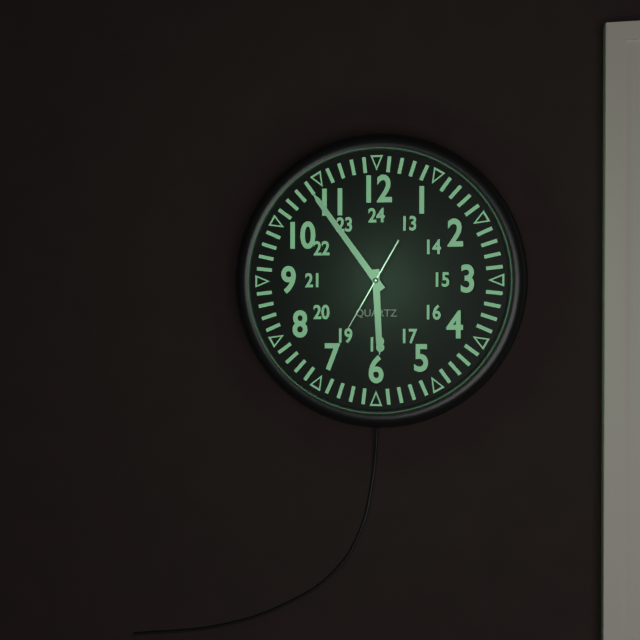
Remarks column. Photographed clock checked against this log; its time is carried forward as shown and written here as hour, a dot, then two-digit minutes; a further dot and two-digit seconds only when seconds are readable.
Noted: 5.54.35
